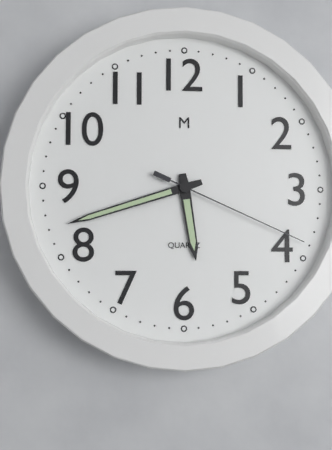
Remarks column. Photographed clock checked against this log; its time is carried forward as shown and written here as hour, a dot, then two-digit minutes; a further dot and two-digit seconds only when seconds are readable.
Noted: 5.42.19
